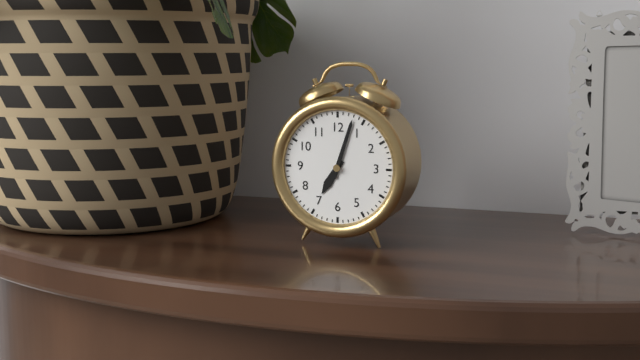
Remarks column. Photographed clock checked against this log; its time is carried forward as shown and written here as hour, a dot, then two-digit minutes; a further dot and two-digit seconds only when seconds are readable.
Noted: 7.03
